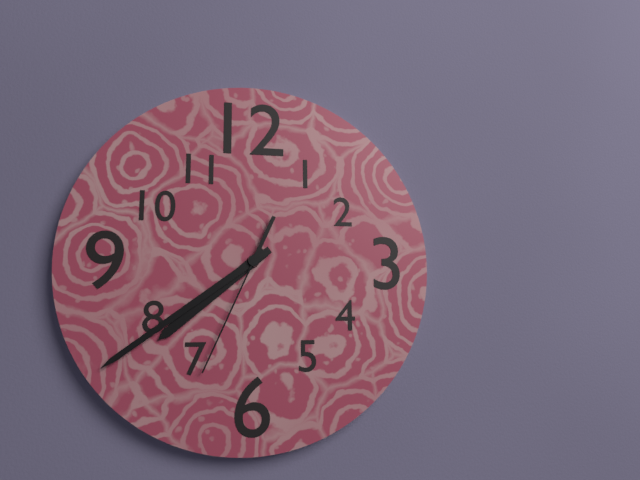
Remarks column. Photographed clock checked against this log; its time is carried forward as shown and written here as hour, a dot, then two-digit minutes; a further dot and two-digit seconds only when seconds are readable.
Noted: 7.39.34
